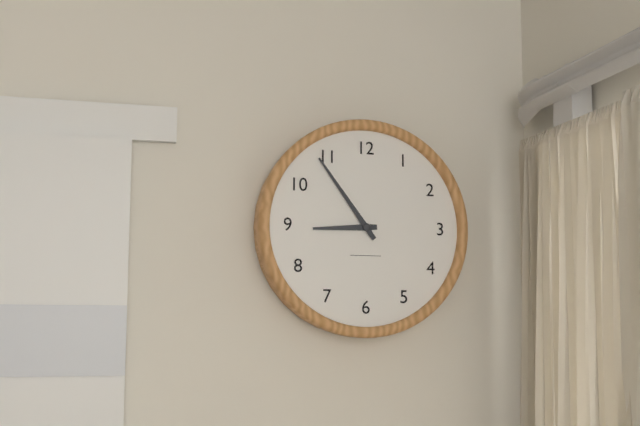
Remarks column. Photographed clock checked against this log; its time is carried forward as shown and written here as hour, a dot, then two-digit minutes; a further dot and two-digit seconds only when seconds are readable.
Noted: 8.54
